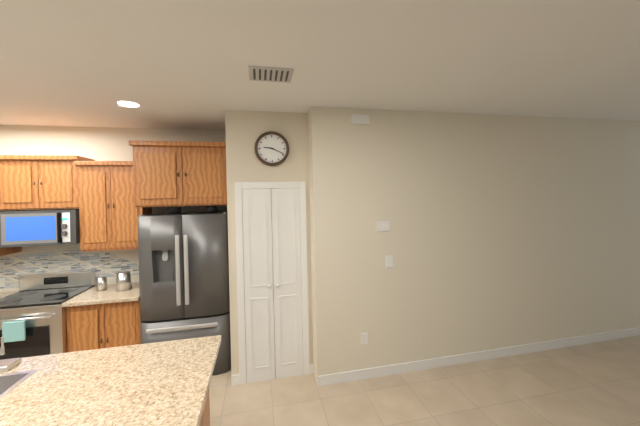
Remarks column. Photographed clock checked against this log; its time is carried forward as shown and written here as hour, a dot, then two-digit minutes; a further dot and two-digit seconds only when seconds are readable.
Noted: 9.19
